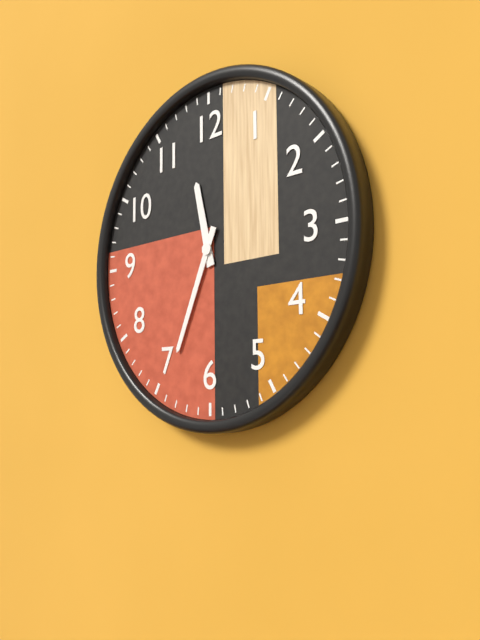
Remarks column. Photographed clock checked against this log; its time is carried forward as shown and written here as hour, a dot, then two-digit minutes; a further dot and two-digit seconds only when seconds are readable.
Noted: 11.34
